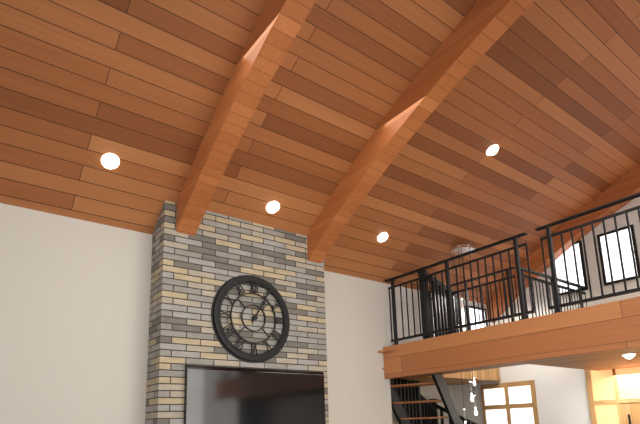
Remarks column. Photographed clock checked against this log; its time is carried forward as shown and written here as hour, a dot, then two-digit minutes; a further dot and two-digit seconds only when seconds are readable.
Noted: 1.05
